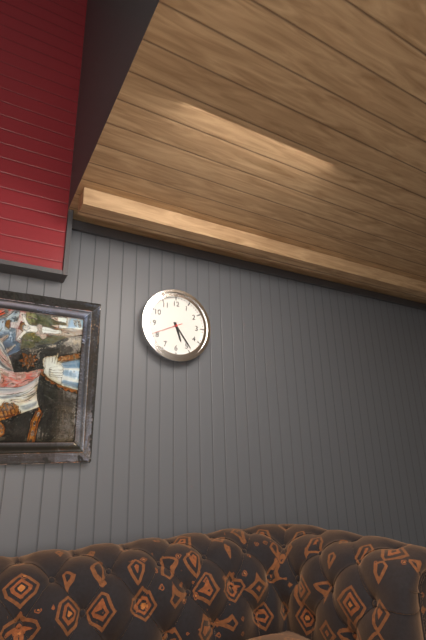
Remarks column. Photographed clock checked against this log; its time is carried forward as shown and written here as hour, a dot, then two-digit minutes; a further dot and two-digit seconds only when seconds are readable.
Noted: 5.24
